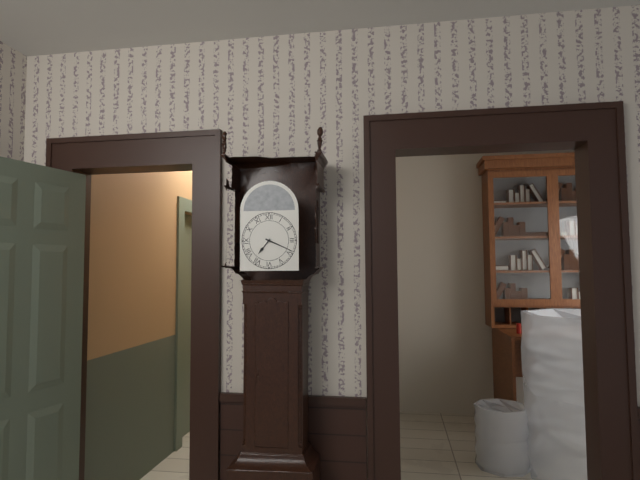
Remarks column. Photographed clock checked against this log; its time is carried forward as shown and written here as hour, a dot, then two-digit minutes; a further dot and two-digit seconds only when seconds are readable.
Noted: 7.19
